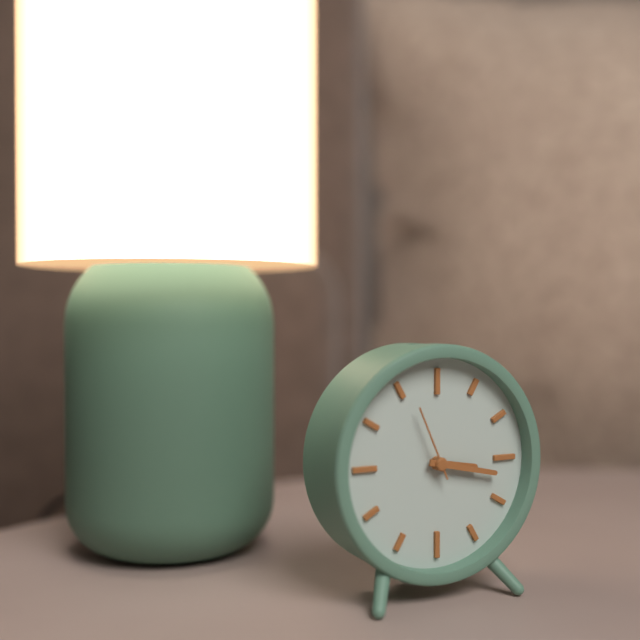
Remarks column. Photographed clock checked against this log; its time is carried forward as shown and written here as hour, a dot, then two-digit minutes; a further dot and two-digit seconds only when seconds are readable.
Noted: 3.17.56
